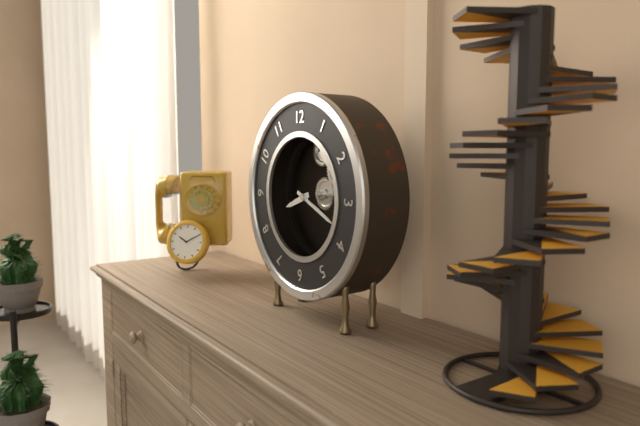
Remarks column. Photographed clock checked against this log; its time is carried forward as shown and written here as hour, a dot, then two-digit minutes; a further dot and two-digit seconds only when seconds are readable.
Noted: 8.19
